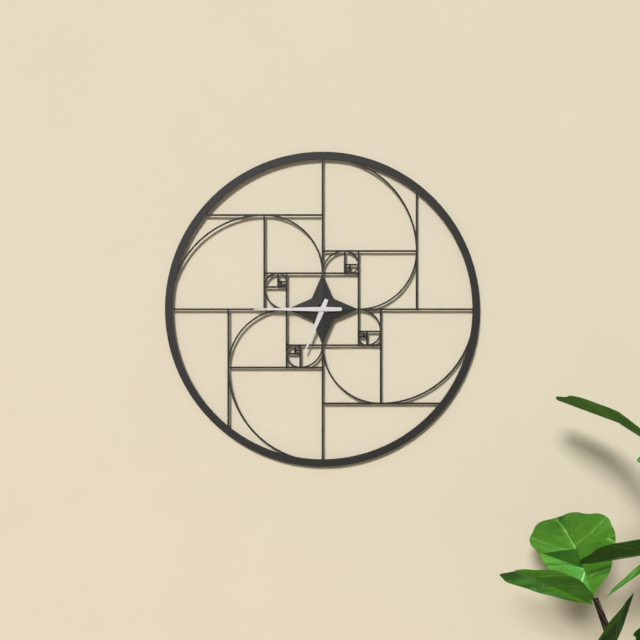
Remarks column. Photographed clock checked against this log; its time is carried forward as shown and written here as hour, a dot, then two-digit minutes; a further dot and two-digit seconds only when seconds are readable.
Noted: 6.45
